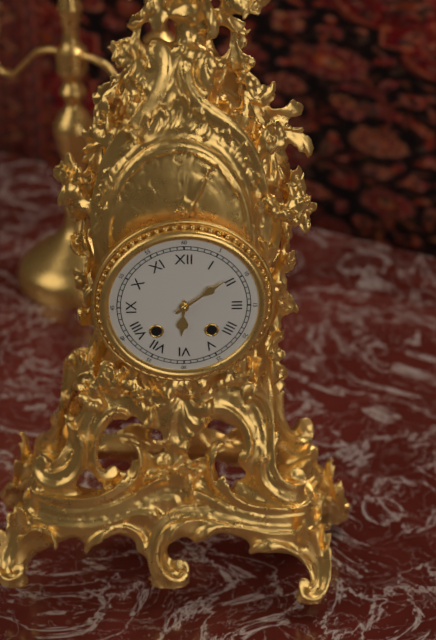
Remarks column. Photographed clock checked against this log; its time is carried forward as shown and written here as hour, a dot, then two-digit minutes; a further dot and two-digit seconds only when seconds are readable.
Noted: 6.09
